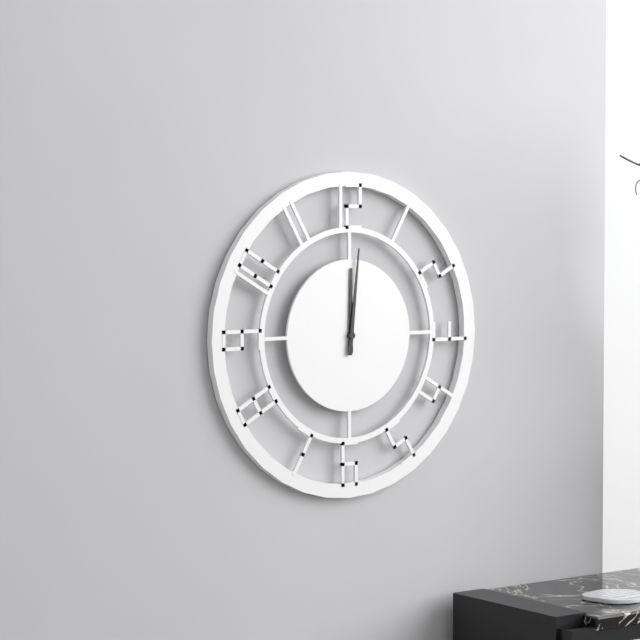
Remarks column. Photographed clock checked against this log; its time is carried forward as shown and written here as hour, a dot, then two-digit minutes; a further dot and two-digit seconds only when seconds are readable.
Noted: 12.01
